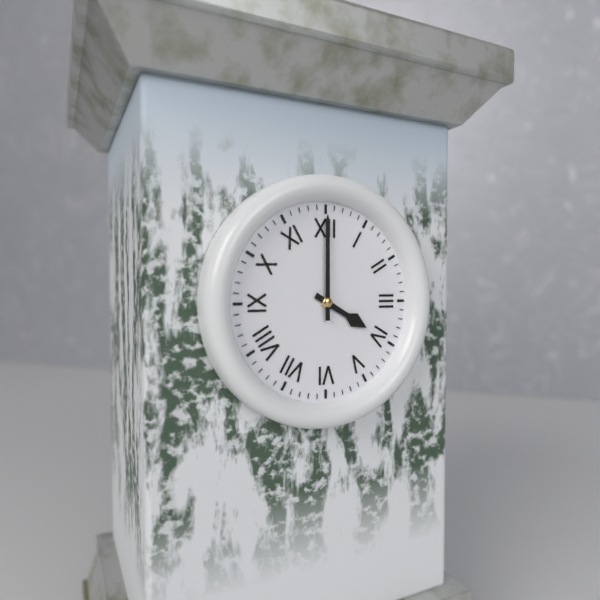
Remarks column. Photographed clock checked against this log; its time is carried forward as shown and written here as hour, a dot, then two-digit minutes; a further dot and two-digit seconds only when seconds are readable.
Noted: 4.00
